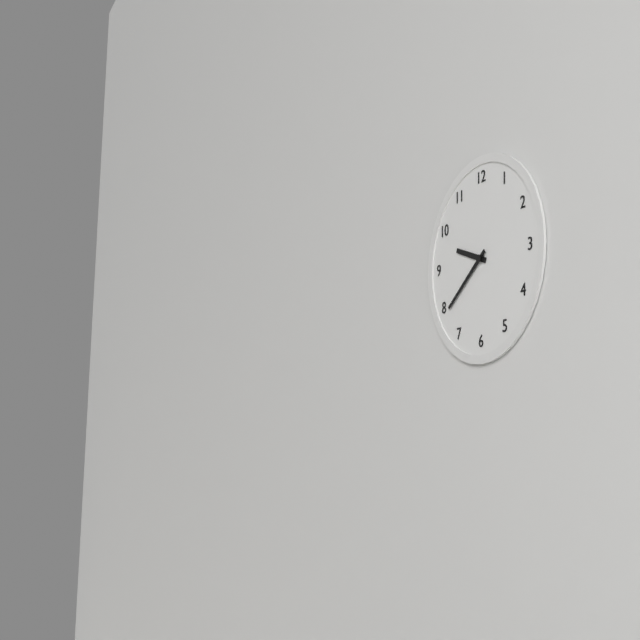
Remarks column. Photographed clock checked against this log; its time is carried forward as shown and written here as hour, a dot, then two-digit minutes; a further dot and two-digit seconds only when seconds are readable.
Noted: 9.39
